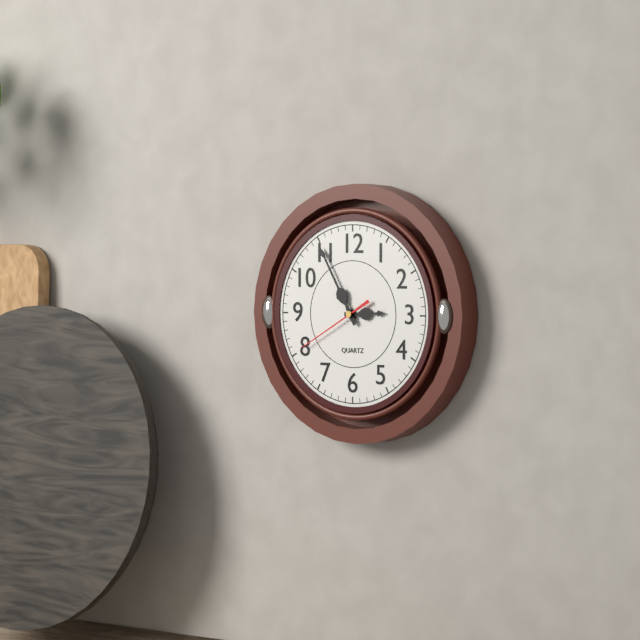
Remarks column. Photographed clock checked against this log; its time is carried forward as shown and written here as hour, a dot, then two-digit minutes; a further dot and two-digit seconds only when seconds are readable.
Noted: 2.55.40
